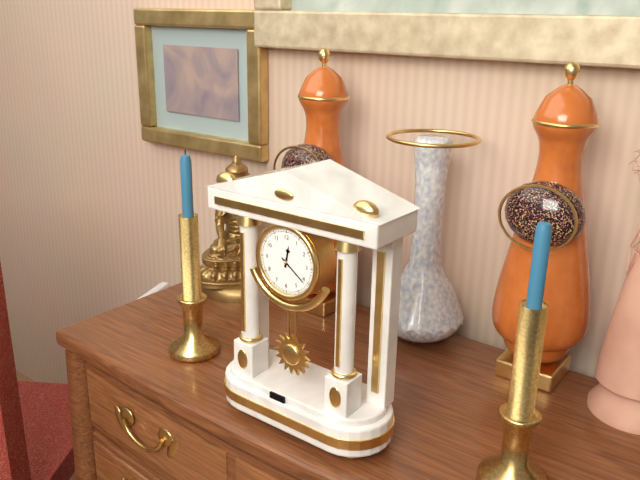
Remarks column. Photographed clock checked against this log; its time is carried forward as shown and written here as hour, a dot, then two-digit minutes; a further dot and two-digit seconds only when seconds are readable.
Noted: 12.21
